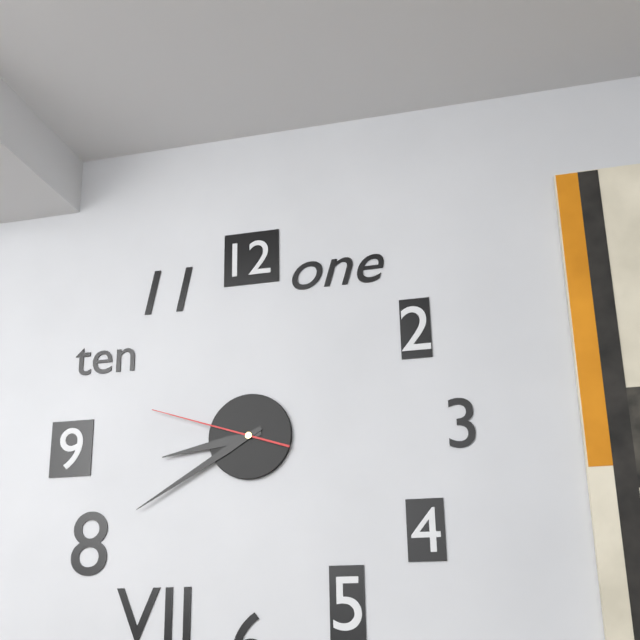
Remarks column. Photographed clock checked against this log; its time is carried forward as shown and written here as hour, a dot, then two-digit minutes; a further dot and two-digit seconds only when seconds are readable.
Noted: 8.40.48
